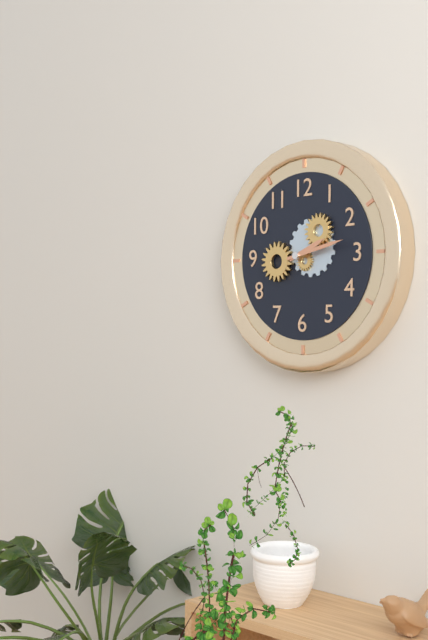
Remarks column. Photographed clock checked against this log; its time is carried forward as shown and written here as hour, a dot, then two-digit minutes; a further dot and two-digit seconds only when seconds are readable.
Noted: 2.13
